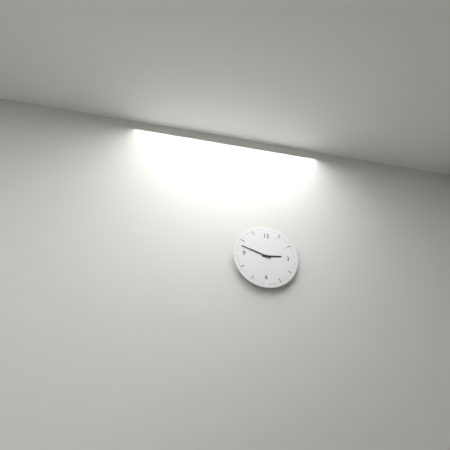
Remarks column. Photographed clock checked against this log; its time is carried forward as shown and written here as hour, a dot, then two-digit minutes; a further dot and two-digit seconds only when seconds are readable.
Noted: 2.48
